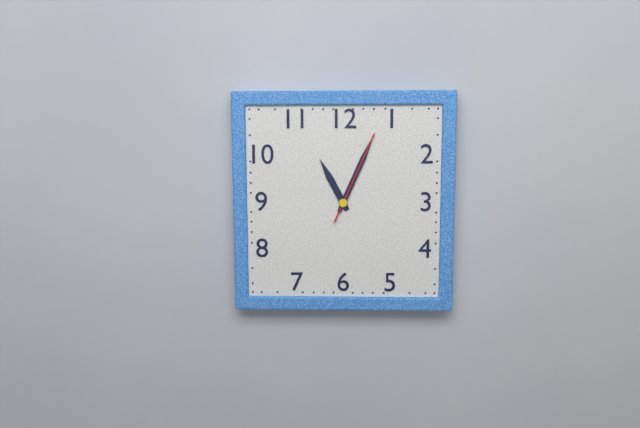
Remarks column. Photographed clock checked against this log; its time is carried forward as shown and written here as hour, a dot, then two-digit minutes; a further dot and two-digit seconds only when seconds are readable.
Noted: 11.04.04
